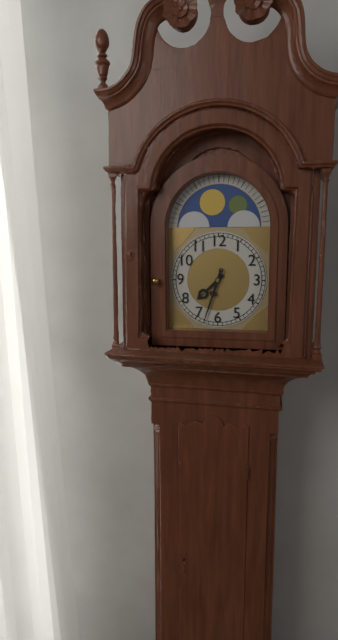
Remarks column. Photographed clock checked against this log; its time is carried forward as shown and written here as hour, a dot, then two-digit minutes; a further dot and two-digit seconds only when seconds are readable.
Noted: 7.33
